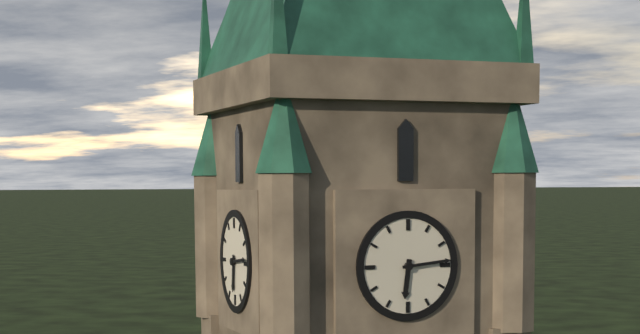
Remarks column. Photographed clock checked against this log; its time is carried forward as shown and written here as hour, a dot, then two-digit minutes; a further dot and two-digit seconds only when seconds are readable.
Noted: 6.14
